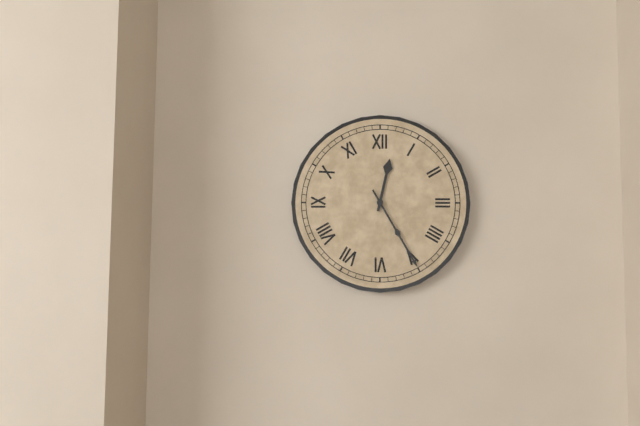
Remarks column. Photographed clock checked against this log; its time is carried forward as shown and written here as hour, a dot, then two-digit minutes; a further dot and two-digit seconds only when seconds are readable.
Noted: 12.25
